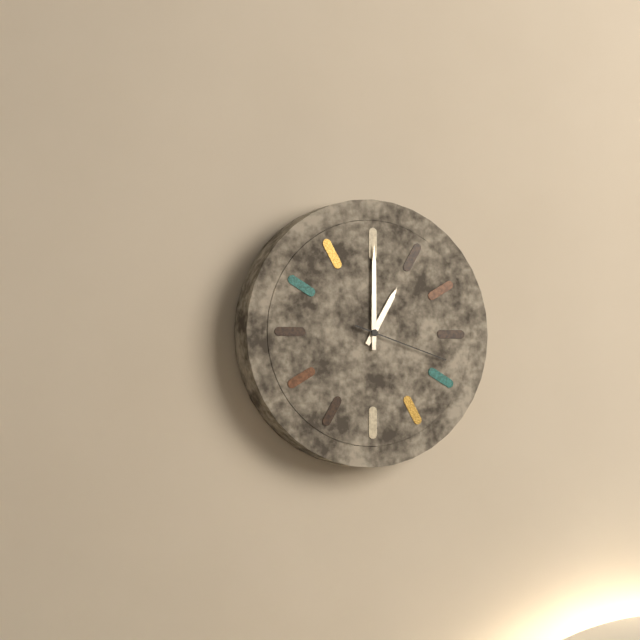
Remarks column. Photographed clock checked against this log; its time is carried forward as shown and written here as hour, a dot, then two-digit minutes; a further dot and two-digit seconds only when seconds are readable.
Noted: 1.00.18
